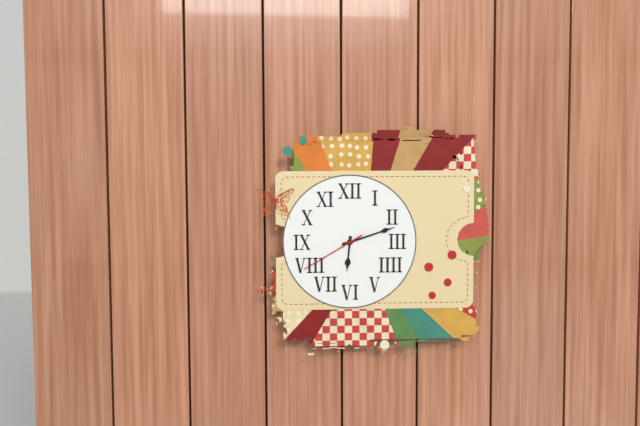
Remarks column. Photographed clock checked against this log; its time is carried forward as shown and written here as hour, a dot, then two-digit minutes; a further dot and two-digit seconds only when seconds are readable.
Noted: 6.12.40
